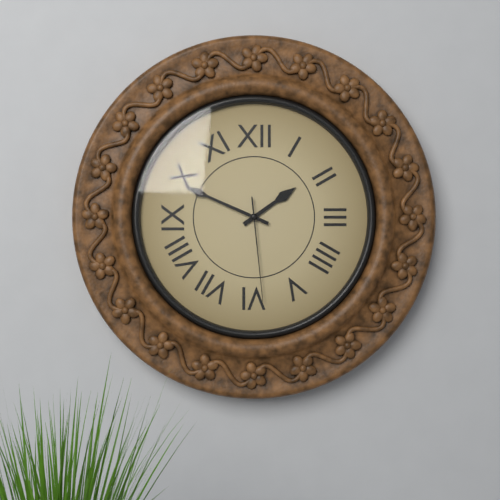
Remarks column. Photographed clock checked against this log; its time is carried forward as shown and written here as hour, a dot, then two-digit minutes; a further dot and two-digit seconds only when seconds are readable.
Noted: 1.49.29
